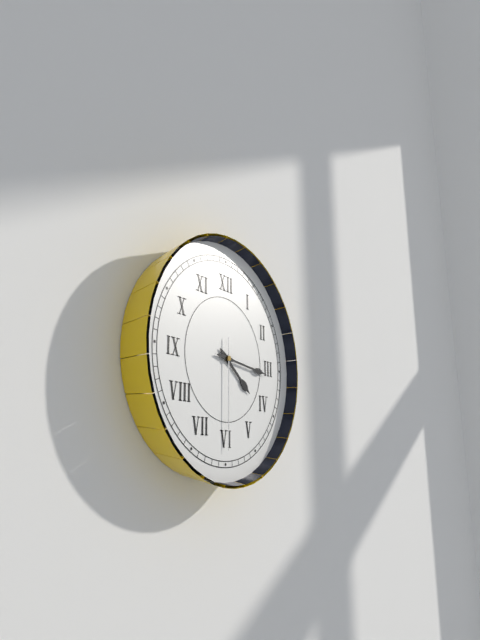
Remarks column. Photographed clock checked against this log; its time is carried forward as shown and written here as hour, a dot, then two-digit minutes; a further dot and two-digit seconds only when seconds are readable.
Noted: 4.16.30
